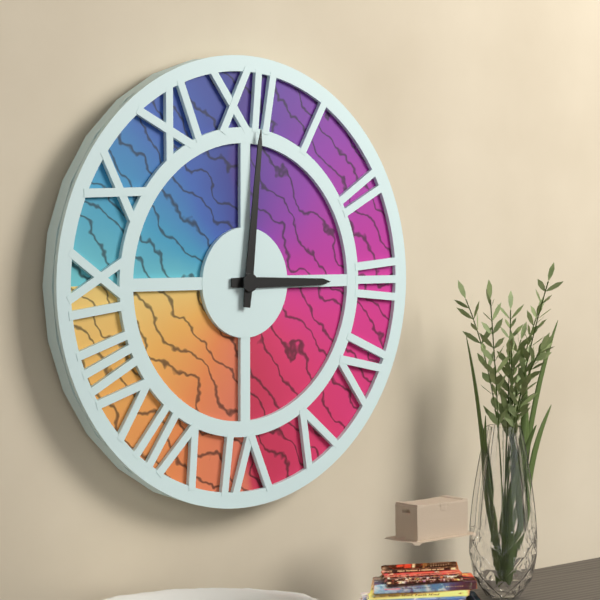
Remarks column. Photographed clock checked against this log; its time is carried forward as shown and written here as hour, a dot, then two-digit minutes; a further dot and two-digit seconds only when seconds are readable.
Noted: 3.01
